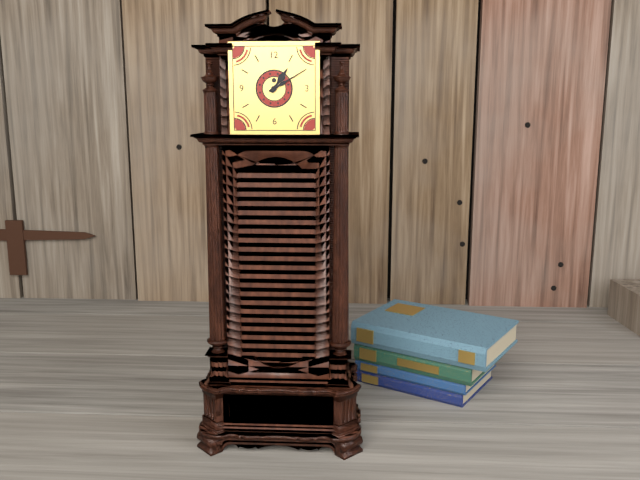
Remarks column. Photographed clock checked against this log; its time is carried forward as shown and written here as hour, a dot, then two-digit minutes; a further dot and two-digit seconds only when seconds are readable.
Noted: 1.10
